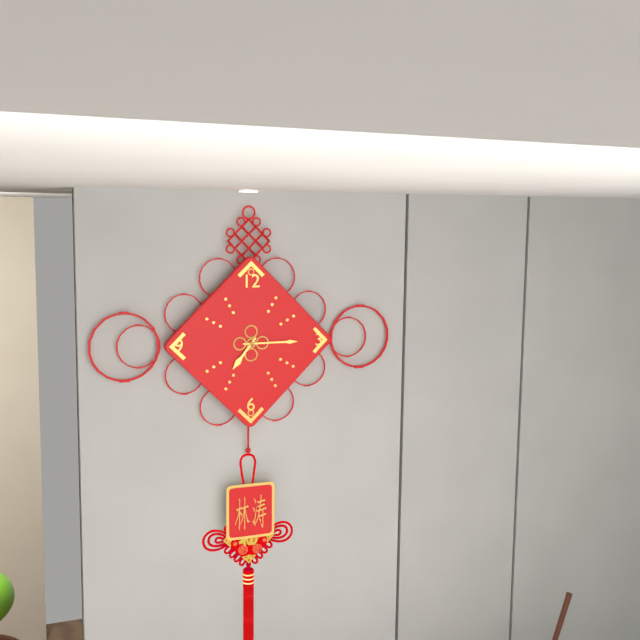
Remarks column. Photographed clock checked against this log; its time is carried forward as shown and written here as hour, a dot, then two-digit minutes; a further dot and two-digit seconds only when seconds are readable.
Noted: 7.15
